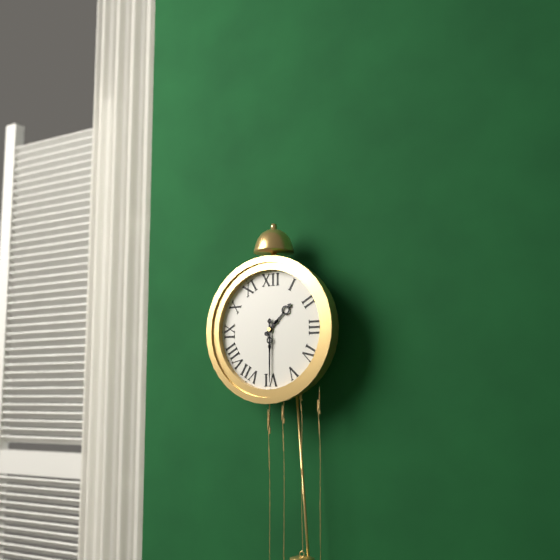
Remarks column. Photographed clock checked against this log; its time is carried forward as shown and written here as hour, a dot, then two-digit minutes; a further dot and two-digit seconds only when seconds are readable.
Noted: 1.30
